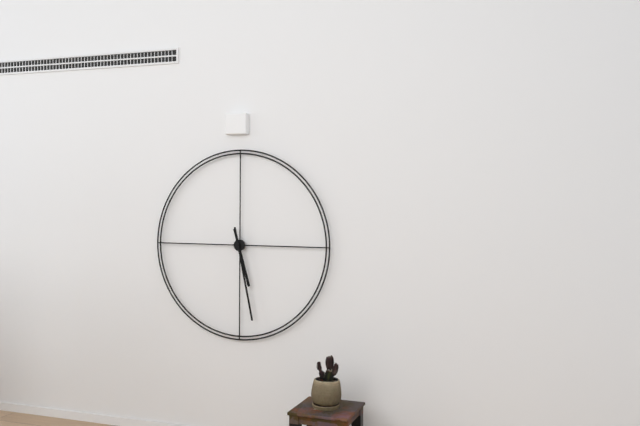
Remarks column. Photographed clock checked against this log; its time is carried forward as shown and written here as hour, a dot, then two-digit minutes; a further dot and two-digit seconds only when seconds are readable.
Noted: 5.28
